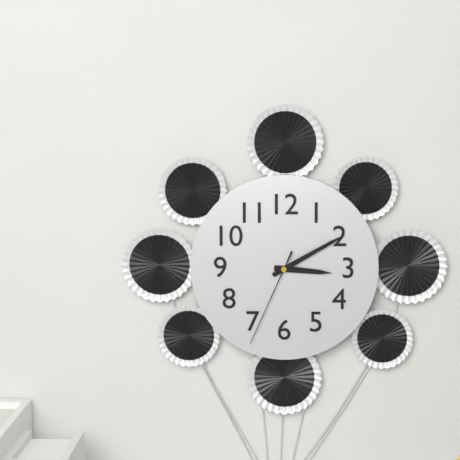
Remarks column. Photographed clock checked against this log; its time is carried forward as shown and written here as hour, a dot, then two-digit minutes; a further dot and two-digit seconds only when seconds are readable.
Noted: 3.10.34
